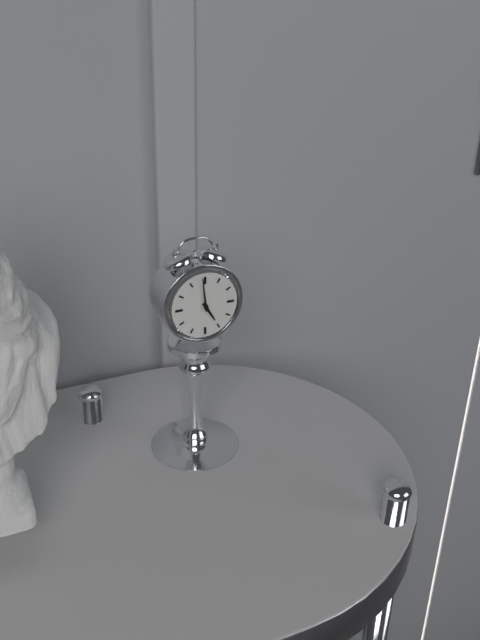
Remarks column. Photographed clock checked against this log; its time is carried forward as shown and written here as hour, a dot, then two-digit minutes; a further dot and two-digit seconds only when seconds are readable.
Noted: 4.59
